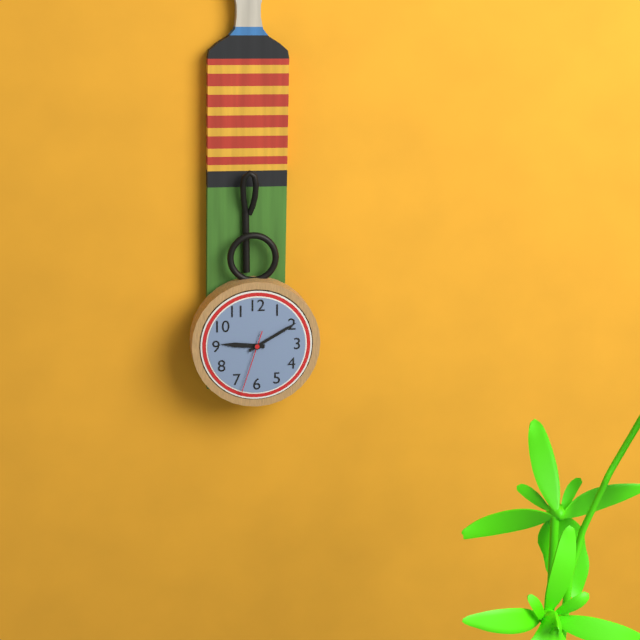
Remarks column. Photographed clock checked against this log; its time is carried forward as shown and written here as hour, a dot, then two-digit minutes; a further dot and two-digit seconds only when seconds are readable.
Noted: 9.10.33
